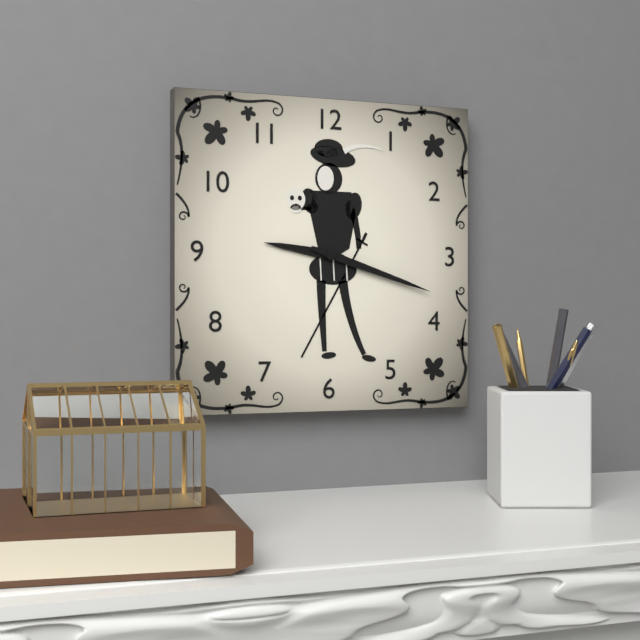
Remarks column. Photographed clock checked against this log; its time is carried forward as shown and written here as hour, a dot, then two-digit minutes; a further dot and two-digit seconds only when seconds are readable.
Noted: 9.18
